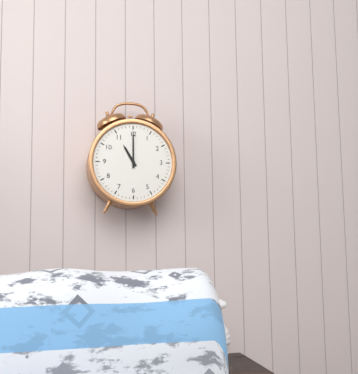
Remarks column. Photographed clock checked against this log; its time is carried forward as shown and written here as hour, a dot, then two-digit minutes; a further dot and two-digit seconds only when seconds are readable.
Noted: 11.00
